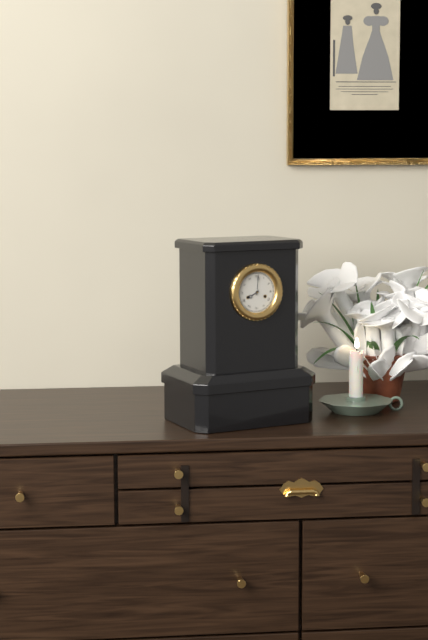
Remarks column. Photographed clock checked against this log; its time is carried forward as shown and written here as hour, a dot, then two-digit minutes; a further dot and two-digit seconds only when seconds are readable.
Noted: 8.01
